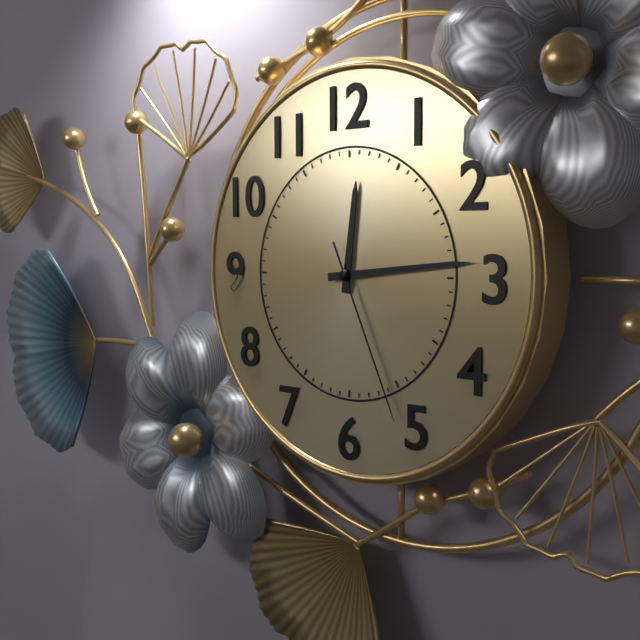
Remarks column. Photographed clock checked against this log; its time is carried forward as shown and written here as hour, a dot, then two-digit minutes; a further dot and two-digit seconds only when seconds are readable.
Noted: 12.14.26
